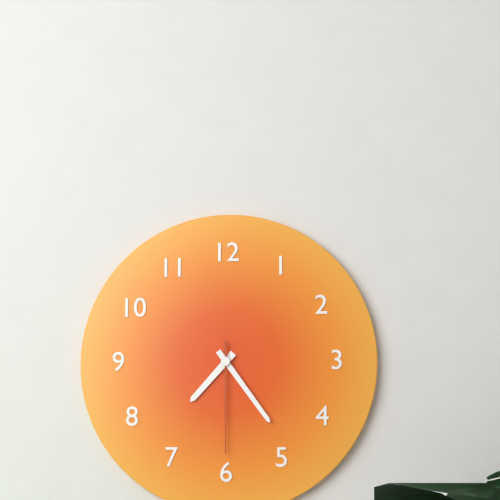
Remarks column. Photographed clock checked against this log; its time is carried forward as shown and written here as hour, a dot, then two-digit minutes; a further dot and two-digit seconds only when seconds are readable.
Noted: 7.24.30
